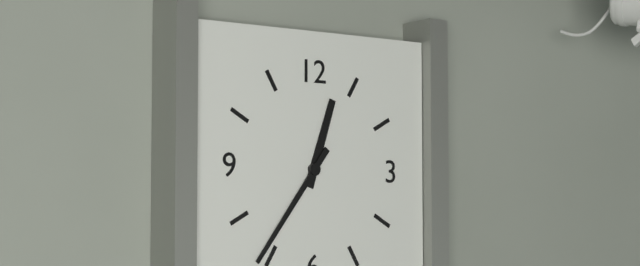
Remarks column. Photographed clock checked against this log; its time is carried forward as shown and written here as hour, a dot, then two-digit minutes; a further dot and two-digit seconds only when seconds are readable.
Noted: 12.36
